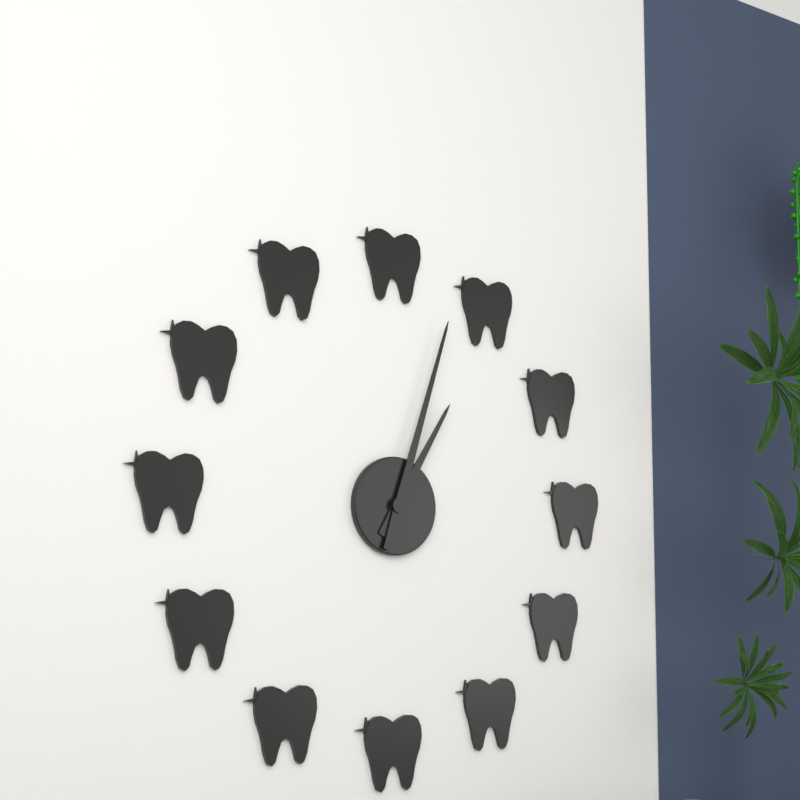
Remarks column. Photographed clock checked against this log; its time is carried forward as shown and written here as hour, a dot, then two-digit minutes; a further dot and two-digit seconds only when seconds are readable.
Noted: 1.03
